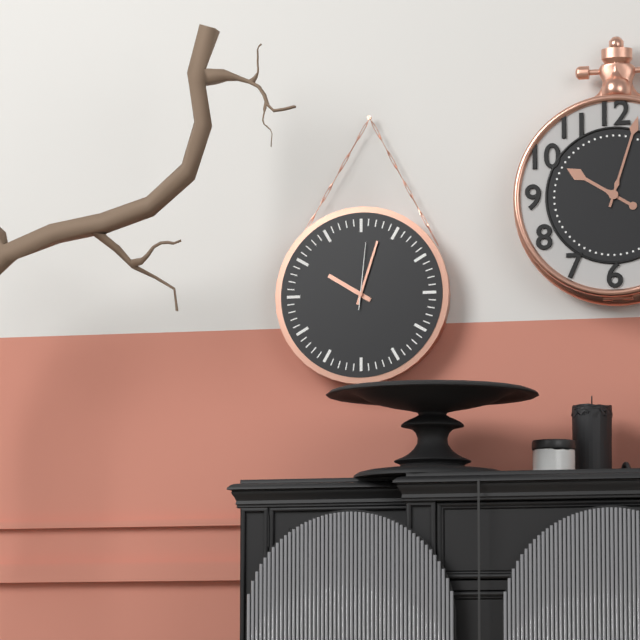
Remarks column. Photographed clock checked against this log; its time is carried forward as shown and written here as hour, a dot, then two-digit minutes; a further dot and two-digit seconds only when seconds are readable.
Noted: 10.03.01
